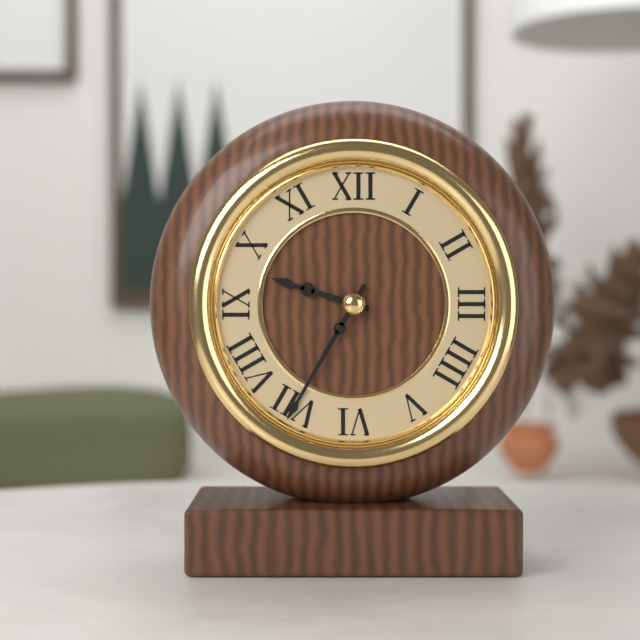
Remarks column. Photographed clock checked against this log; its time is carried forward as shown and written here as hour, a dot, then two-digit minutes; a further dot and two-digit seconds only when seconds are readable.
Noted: 9.35
